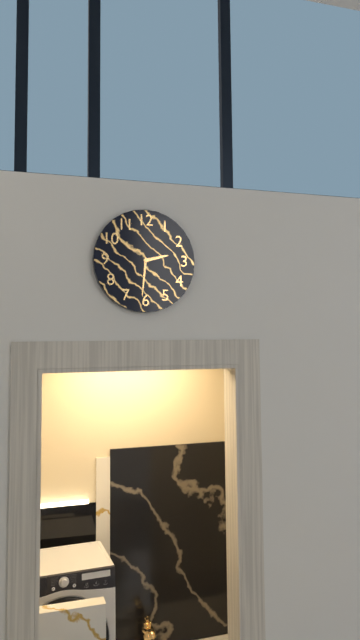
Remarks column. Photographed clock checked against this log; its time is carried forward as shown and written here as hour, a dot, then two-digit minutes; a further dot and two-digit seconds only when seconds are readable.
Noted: 2.31
